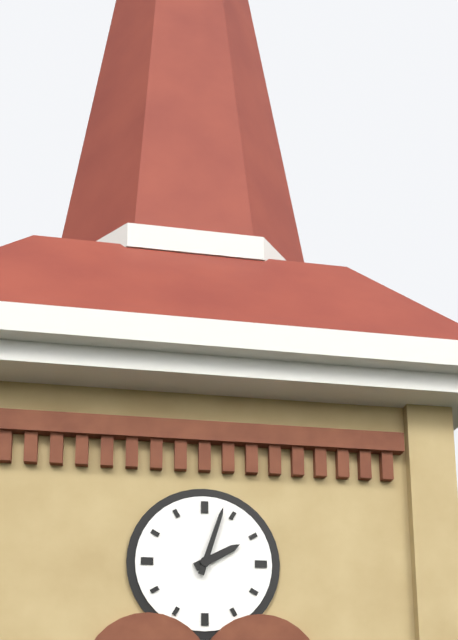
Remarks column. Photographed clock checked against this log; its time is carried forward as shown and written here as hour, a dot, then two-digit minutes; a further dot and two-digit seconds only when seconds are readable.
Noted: 2.03
